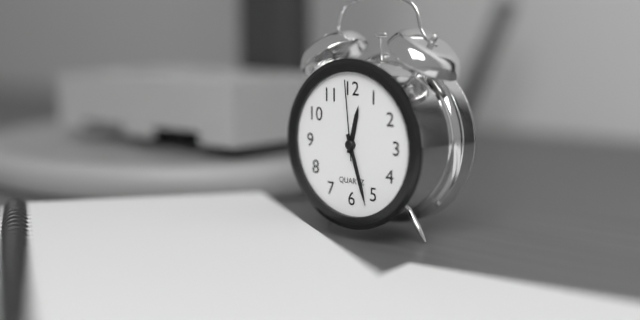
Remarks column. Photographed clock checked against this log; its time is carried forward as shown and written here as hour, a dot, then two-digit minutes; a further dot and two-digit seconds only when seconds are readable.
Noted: 12.27.59
